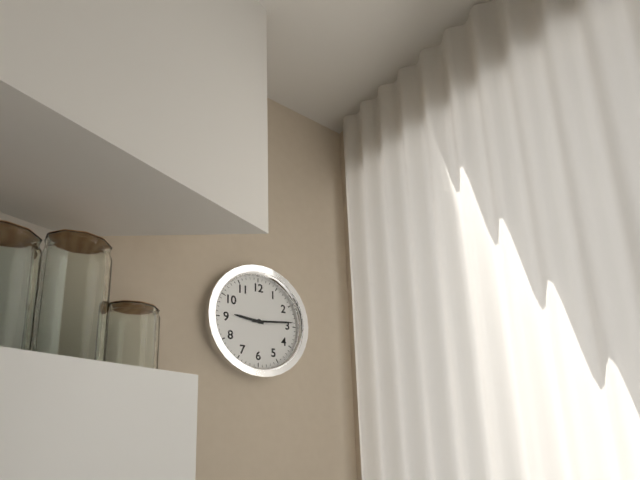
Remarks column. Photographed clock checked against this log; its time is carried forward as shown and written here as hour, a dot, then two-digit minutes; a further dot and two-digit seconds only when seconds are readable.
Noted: 9.14
